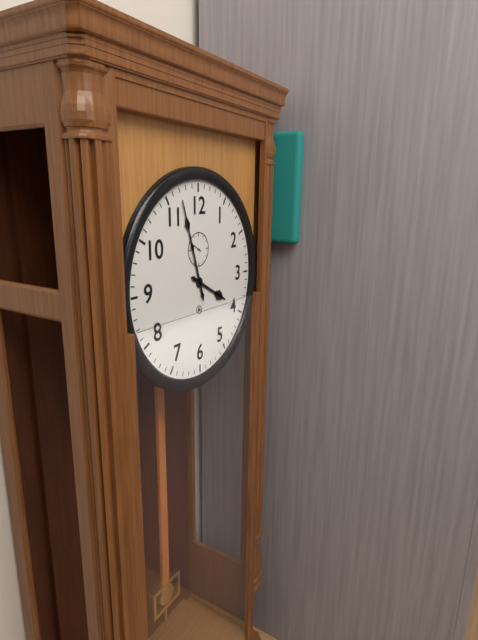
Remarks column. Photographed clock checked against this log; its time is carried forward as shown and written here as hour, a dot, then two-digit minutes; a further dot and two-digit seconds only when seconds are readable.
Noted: 3.57
